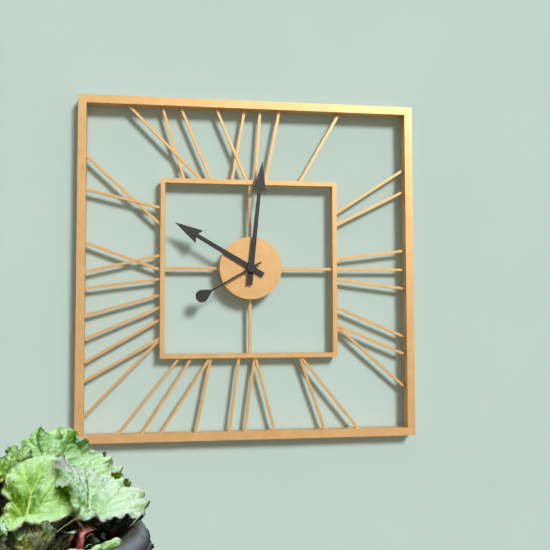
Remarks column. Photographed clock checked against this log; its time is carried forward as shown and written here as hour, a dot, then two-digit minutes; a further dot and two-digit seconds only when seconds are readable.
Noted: 10.01.40
